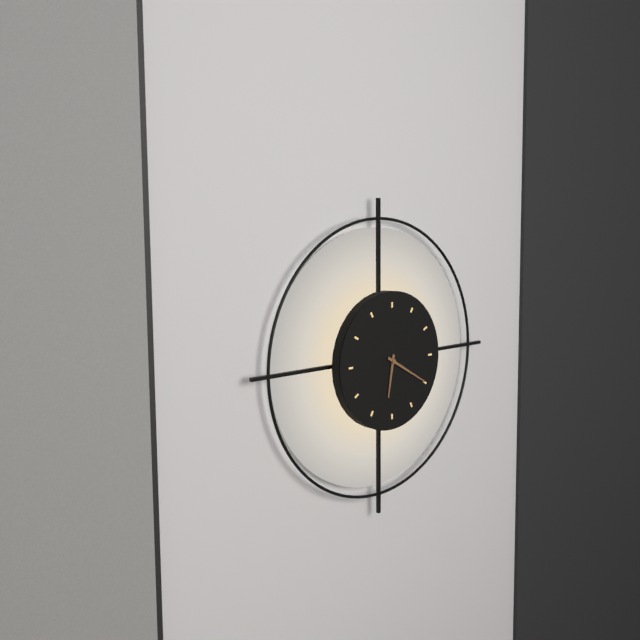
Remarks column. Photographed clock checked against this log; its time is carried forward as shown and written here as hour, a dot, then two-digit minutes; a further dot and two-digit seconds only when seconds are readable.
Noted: 6.20
